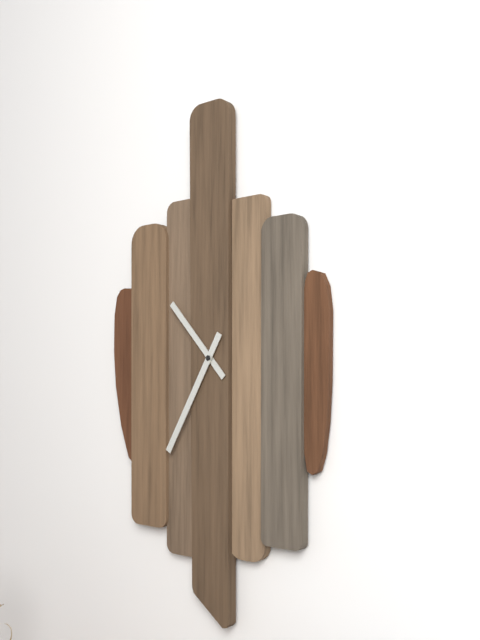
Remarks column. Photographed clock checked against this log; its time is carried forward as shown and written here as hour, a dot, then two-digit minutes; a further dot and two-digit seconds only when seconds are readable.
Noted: 10.35
